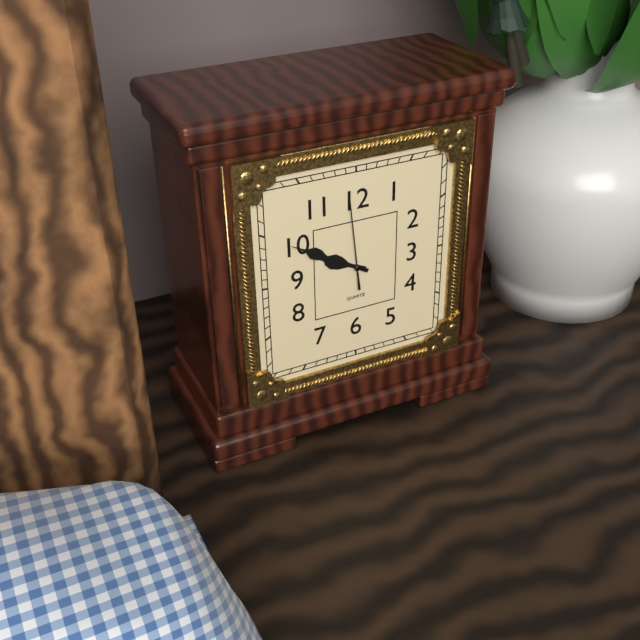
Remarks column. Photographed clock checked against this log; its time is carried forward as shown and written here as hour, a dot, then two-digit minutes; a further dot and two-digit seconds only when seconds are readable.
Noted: 9.50.59
